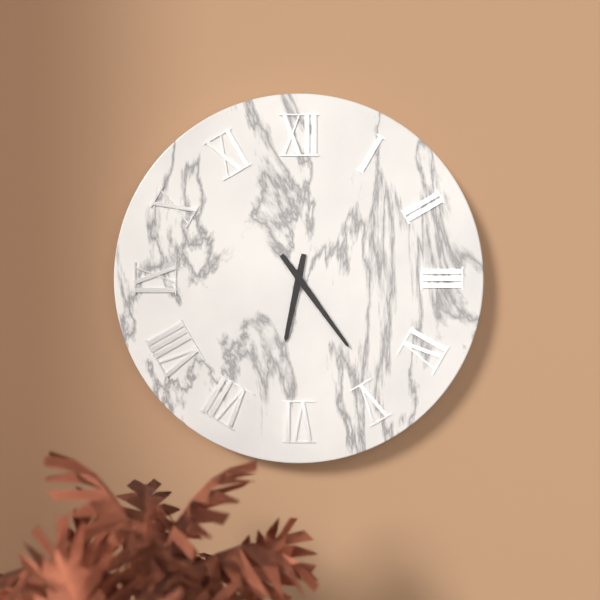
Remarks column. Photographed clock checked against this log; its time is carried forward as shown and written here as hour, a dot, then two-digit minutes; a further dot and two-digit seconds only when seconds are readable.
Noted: 6.24
